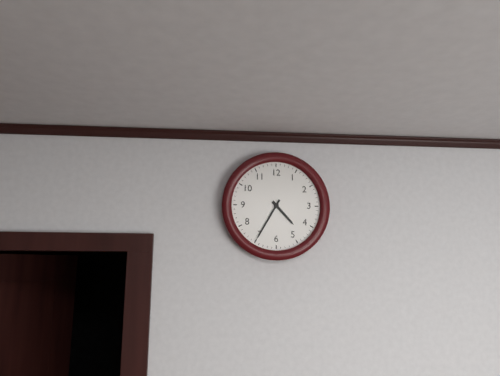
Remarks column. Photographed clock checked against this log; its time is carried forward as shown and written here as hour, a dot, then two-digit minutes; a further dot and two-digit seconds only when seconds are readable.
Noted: 4.35
